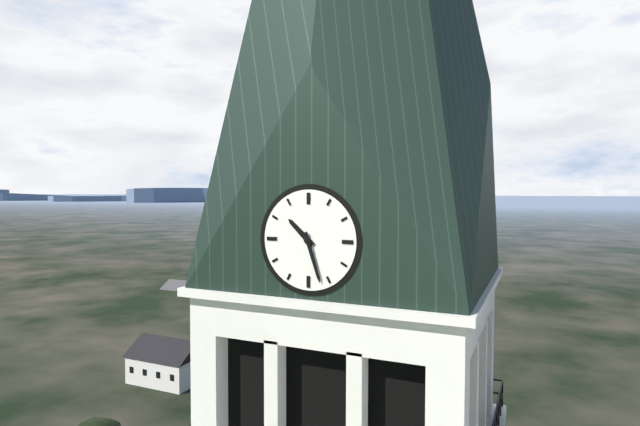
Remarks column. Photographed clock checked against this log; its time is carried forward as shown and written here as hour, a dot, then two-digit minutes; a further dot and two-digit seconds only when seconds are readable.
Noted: 10.27
